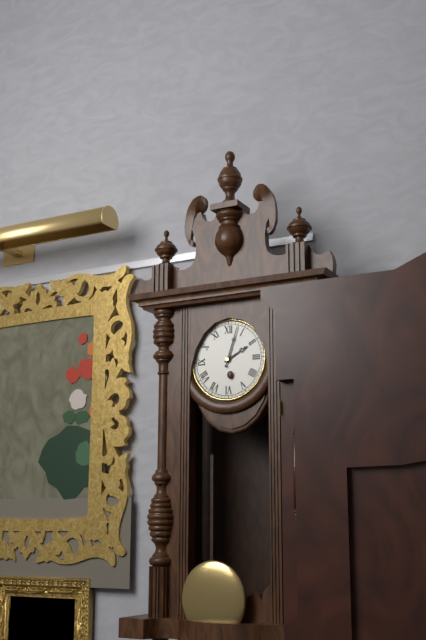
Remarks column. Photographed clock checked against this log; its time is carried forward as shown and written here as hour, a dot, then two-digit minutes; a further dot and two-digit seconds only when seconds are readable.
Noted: 2.03
